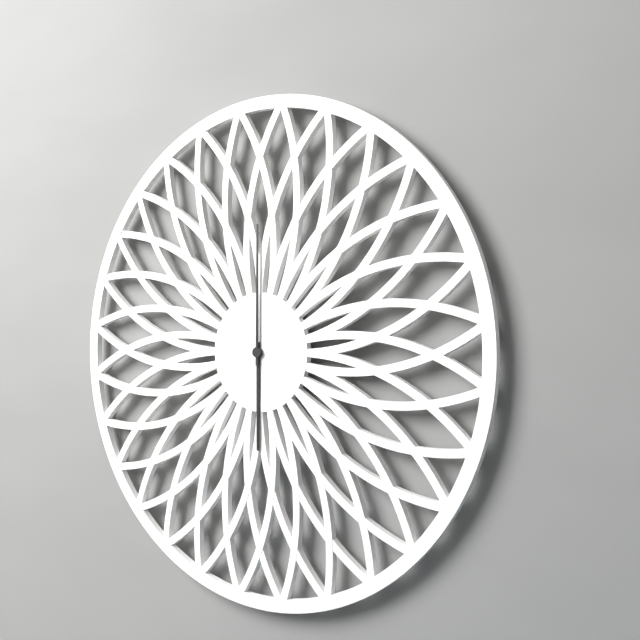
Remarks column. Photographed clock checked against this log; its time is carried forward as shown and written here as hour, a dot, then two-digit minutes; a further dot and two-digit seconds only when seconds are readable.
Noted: 6.00
